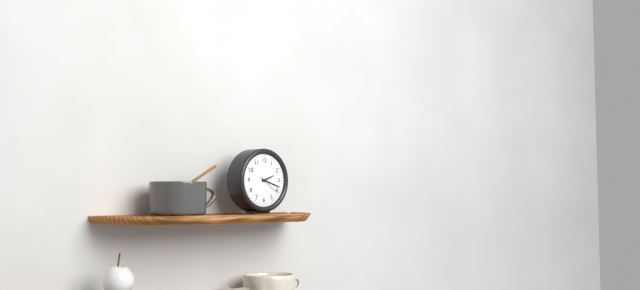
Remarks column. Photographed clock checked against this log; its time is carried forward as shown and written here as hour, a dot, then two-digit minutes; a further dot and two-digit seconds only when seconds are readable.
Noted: 2.18
